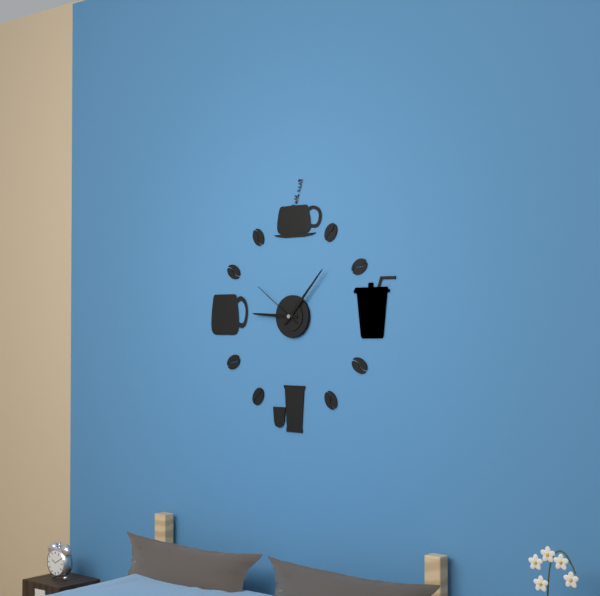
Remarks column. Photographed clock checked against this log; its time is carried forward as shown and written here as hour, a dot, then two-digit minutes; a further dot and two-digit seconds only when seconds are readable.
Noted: 9.07.51
